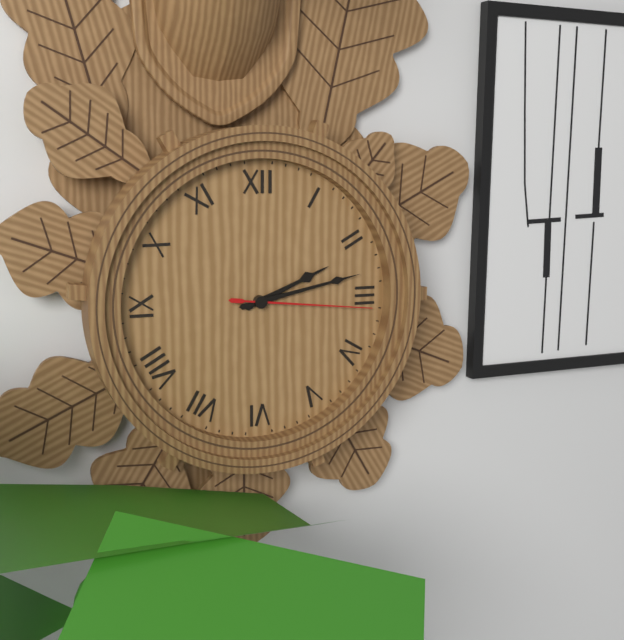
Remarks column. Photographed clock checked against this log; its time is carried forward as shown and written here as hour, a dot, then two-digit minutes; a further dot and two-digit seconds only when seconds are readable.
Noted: 2.13.16
